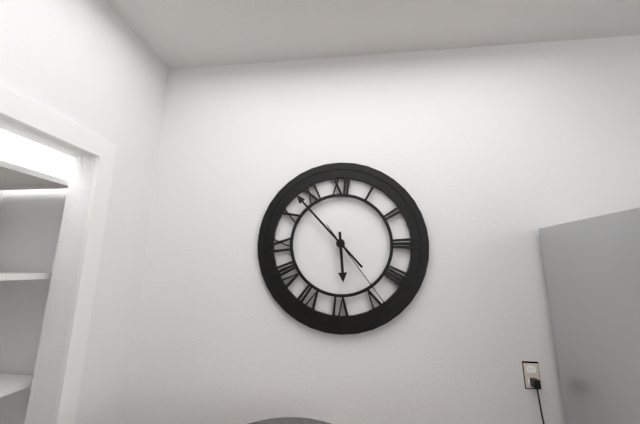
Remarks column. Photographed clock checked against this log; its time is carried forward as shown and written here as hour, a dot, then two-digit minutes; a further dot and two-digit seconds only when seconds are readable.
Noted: 5.53.24
